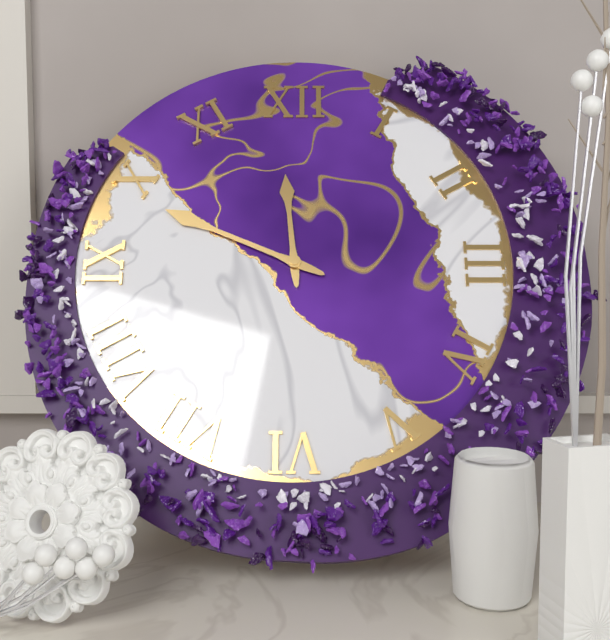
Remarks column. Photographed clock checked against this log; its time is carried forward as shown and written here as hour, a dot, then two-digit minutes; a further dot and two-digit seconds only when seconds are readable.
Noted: 11.49
